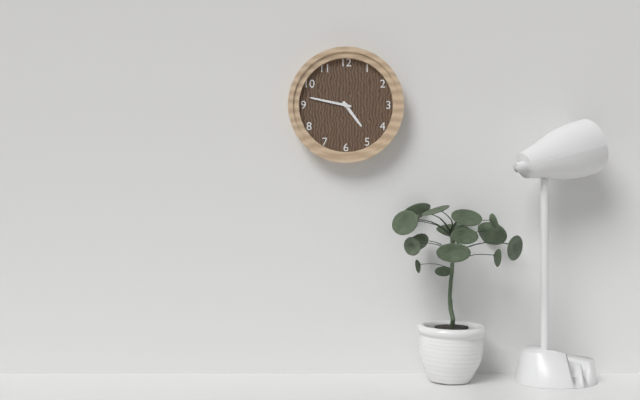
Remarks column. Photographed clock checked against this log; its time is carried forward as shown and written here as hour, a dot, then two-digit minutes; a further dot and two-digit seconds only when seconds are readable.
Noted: 4.47
